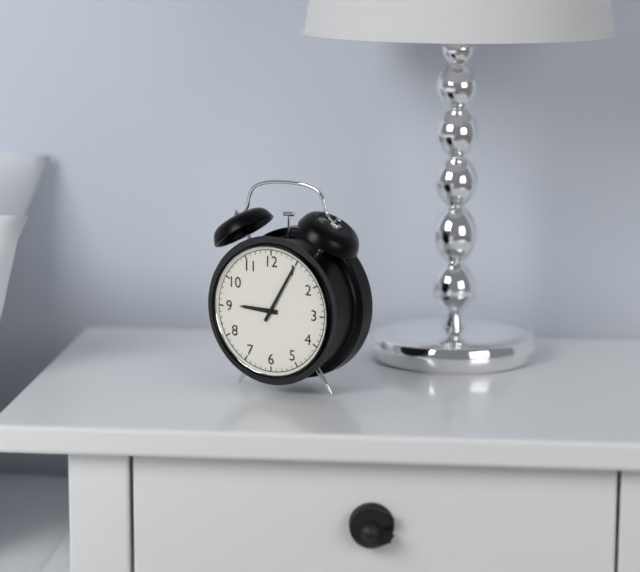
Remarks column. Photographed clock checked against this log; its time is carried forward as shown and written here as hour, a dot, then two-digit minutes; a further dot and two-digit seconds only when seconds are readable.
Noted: 9.05
